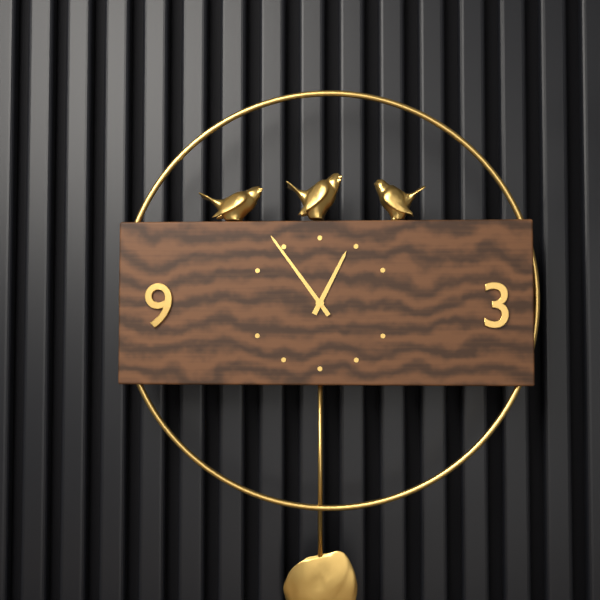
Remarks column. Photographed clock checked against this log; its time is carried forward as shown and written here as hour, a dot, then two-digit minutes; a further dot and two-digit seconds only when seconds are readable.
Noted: 12.54
